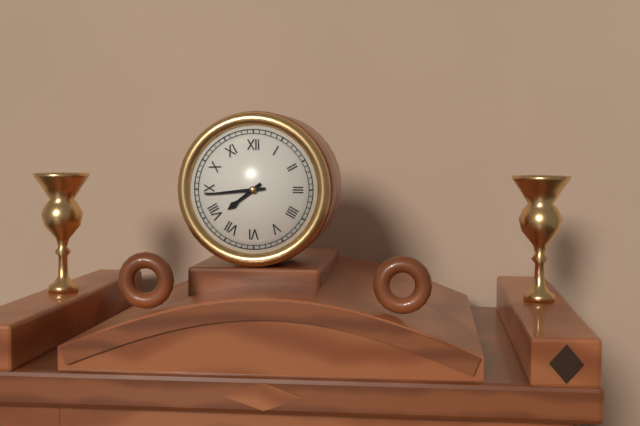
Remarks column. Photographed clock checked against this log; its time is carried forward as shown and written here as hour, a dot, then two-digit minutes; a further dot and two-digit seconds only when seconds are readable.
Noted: 7.44
